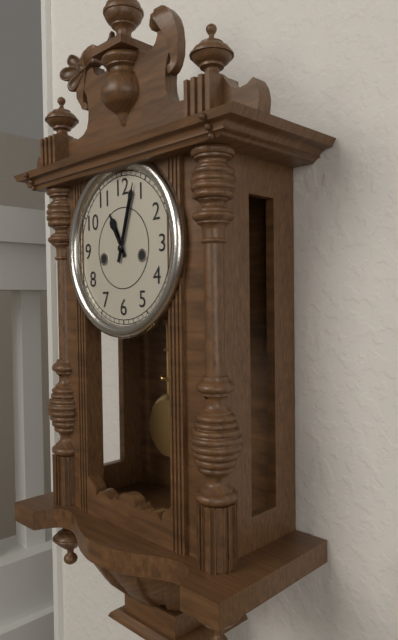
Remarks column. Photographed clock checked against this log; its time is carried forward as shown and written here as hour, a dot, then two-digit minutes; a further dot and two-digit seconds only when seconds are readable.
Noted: 11.03
